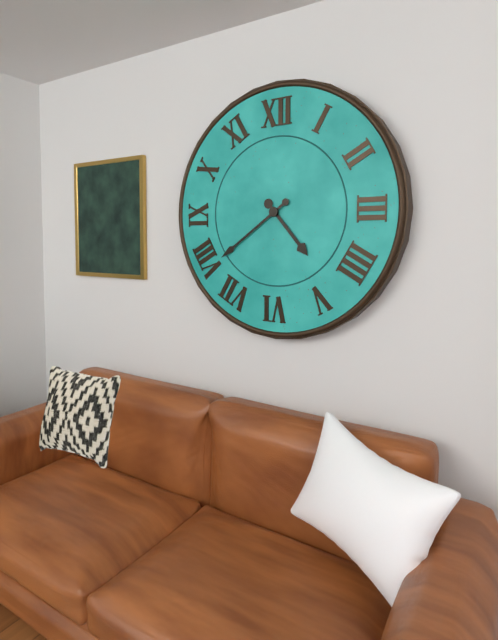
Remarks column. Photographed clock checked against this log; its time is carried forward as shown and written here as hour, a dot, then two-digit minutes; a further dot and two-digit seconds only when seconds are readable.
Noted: 4.39
